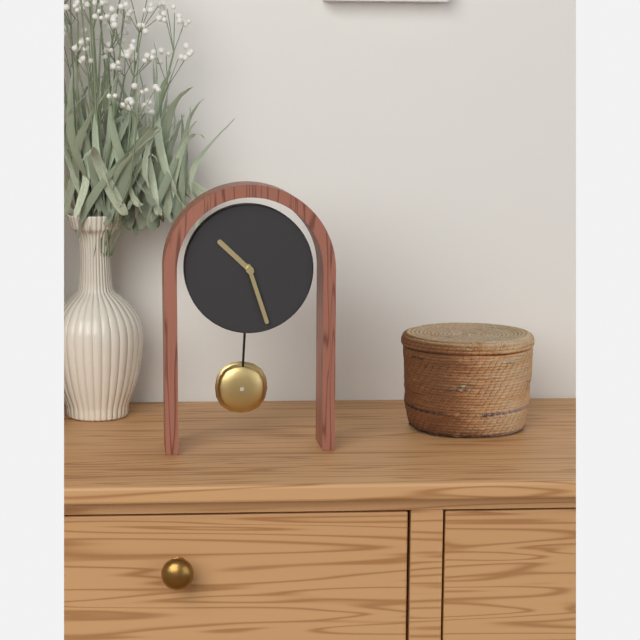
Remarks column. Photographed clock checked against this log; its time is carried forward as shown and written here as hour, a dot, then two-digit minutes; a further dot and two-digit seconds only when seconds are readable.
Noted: 10.27
